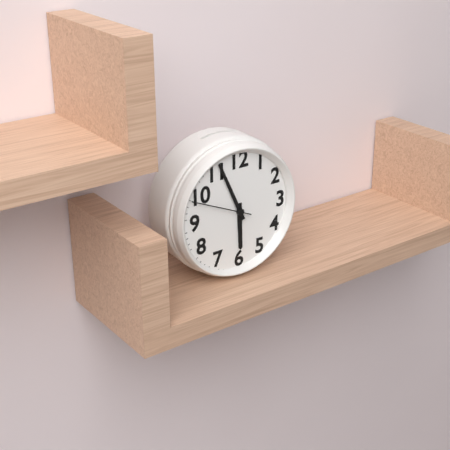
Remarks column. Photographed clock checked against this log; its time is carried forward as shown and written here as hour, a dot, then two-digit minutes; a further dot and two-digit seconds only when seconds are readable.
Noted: 5.56.49
